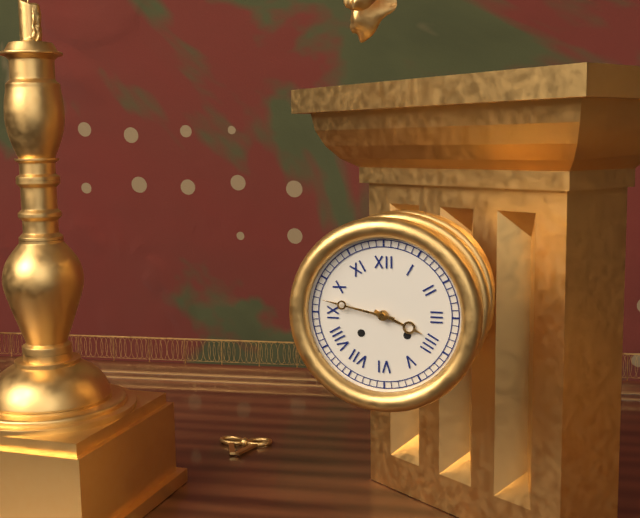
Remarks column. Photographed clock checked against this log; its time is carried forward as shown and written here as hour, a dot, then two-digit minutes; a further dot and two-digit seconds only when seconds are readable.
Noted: 3.47
